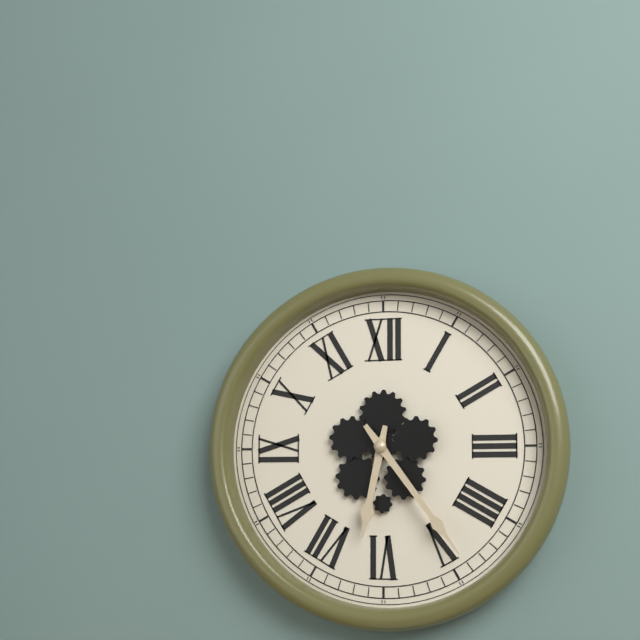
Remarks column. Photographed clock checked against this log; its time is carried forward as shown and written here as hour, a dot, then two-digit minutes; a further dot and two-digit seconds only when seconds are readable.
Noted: 6.24
